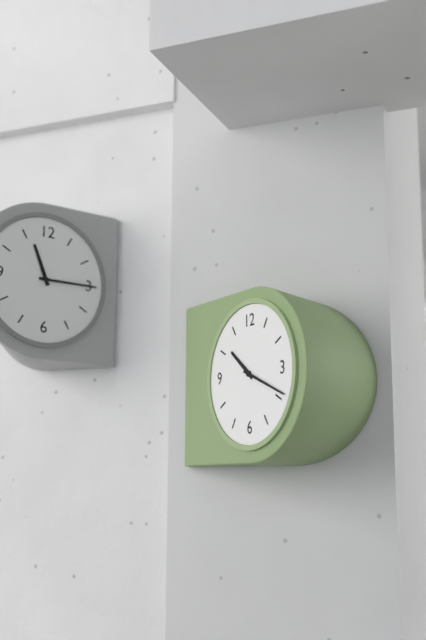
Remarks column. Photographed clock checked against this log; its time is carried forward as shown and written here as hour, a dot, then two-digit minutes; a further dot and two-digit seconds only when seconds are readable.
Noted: 10.19
